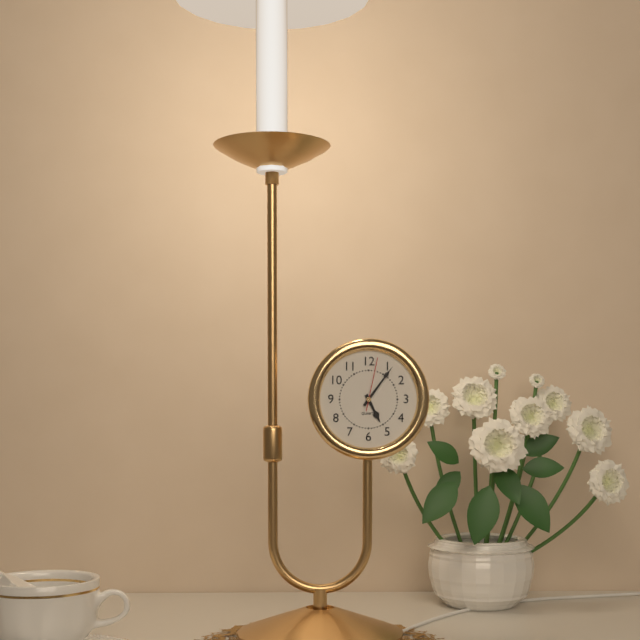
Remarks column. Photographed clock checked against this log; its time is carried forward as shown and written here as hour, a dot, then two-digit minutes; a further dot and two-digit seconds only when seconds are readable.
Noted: 5.06.02
